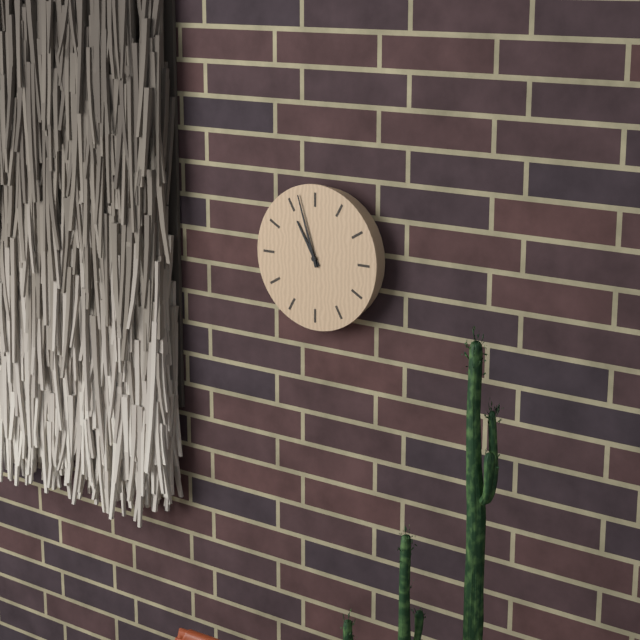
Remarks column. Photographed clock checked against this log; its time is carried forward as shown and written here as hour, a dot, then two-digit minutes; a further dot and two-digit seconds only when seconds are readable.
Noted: 10.57
